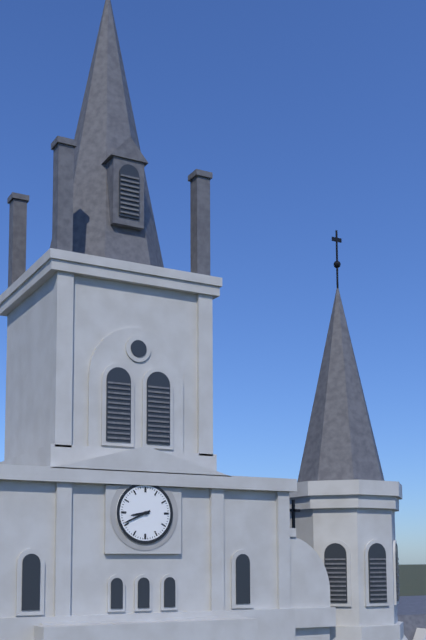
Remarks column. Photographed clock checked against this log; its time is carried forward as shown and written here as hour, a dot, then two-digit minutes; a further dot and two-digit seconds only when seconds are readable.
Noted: 8.41
